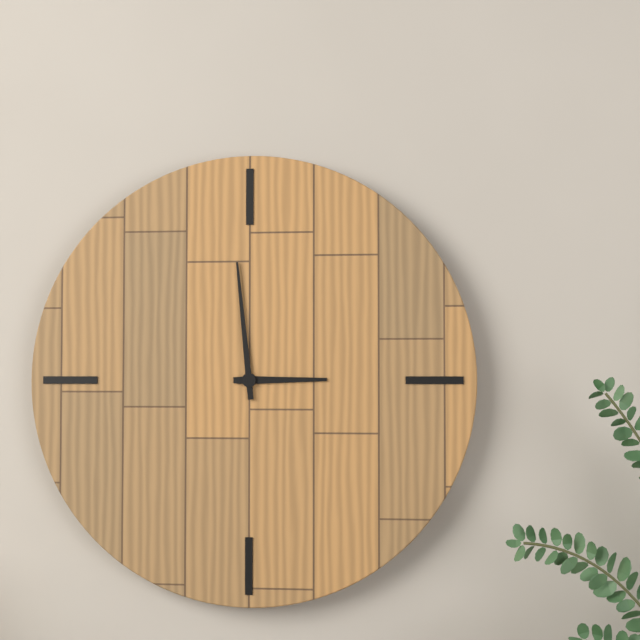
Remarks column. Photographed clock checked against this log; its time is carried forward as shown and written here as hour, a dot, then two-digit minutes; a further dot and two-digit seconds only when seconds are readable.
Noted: 2.59
